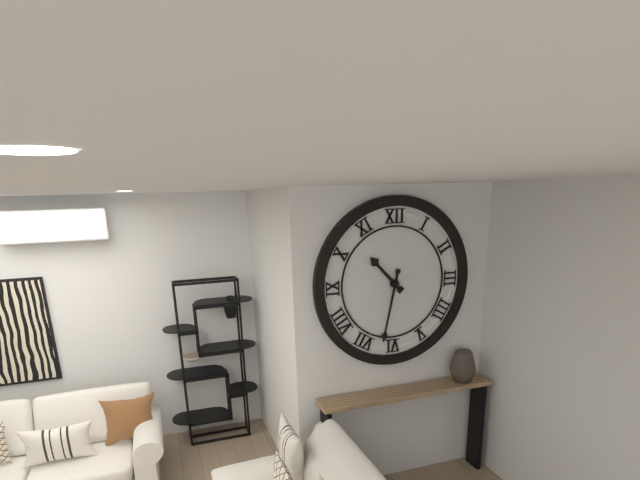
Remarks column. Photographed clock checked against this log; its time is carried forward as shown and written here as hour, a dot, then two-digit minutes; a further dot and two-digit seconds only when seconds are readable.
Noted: 10.32
